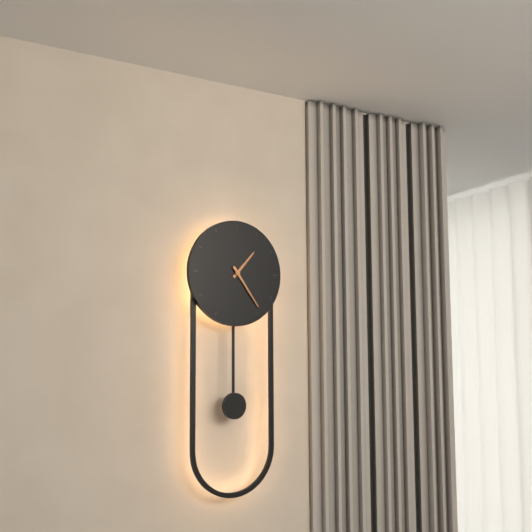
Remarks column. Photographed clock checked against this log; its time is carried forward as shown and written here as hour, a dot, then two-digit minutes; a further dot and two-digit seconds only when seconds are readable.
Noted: 1.24
